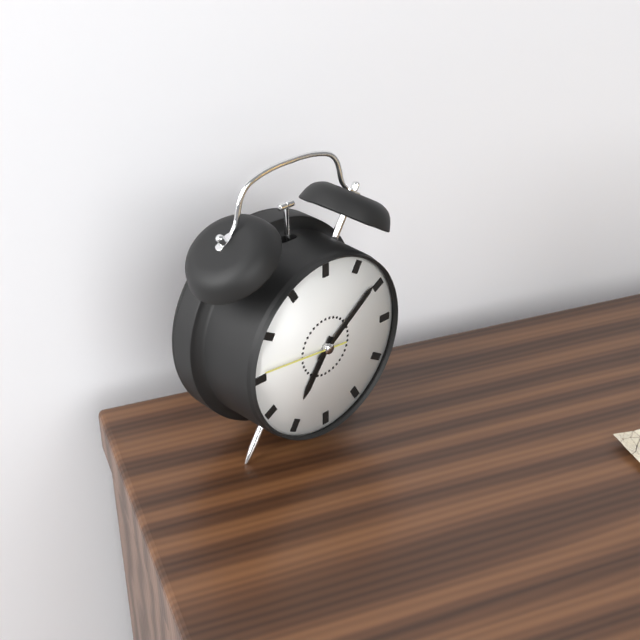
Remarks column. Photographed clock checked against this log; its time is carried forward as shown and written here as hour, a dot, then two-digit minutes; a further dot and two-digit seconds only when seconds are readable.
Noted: 7.09.46
